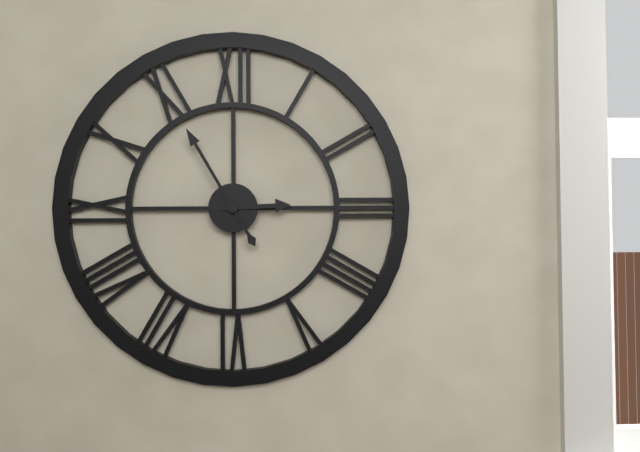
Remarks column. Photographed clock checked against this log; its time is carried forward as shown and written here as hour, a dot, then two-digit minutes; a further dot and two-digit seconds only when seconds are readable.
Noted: 2.55
